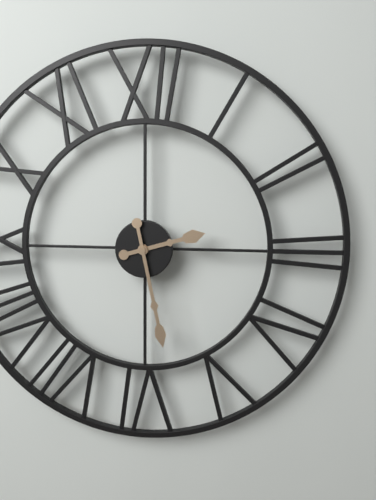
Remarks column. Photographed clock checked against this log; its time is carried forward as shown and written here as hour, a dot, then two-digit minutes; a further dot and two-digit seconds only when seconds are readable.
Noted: 2.28
